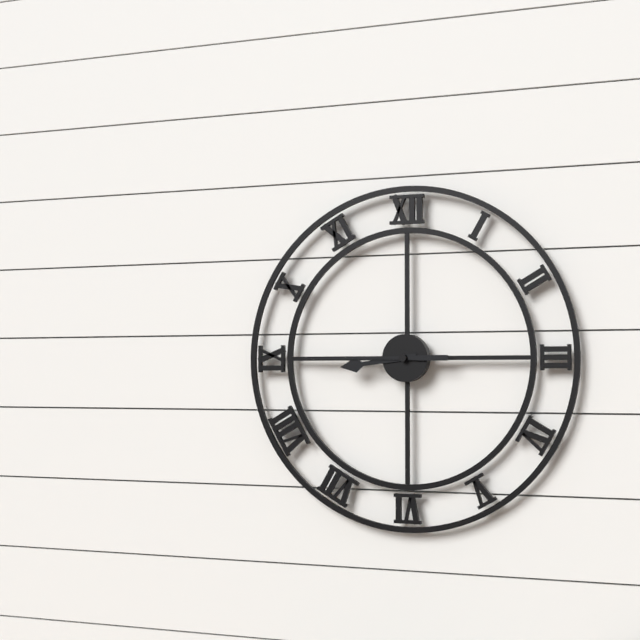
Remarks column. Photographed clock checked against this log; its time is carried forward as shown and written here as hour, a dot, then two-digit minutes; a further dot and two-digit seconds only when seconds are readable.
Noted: 8.45
